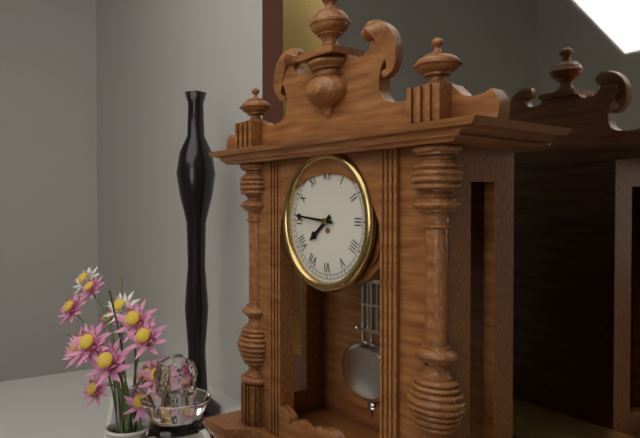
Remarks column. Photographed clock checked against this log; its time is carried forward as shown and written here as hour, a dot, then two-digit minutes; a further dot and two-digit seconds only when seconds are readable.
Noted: 7.46
